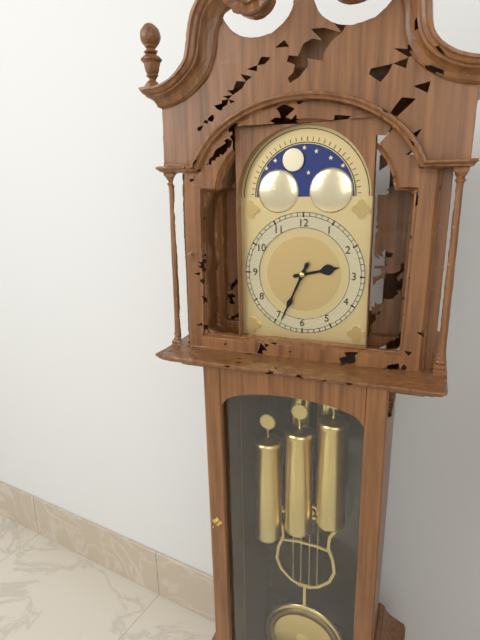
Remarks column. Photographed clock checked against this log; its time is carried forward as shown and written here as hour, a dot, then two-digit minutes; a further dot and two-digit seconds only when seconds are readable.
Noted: 2.34
